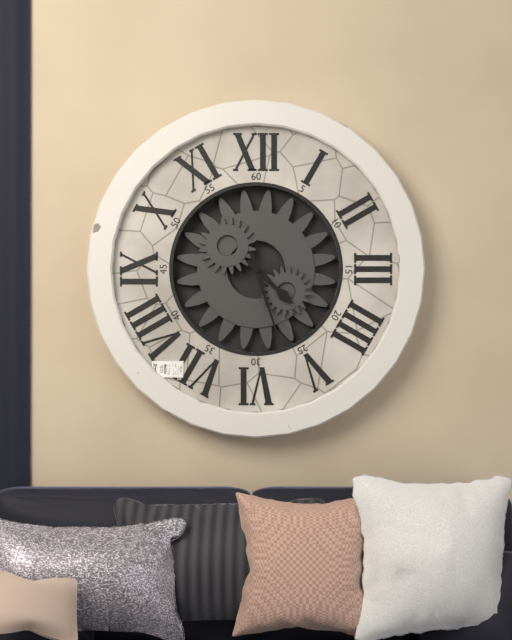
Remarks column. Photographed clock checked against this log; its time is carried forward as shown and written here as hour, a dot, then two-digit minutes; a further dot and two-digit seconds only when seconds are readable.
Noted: 4.27
